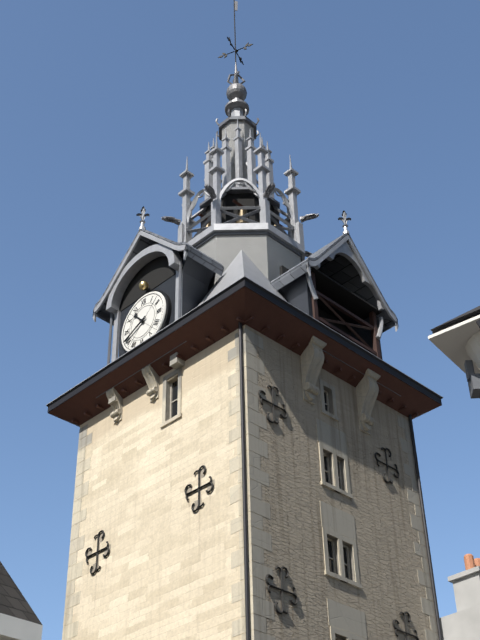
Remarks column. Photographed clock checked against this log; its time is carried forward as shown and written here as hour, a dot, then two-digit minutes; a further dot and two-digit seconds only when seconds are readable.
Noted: 10.41
